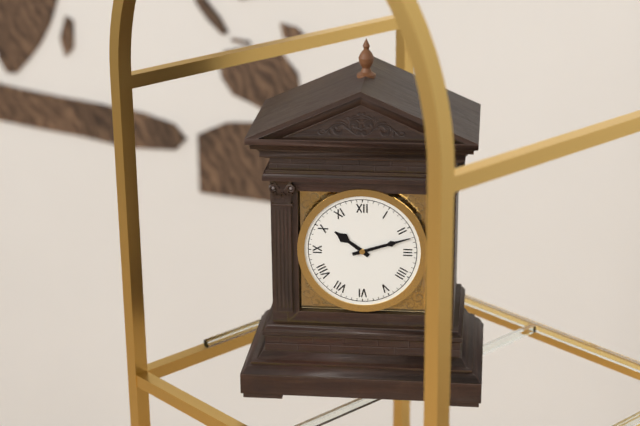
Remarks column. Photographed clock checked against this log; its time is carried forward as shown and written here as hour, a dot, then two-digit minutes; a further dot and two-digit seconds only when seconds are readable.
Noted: 10.12
